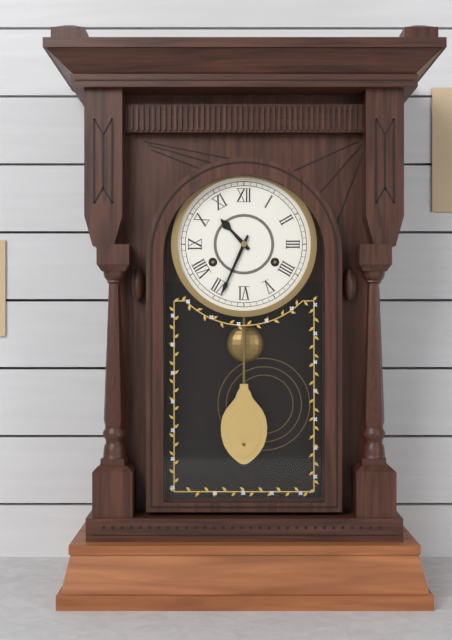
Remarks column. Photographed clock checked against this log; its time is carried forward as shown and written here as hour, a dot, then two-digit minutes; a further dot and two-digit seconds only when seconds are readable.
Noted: 10.34
